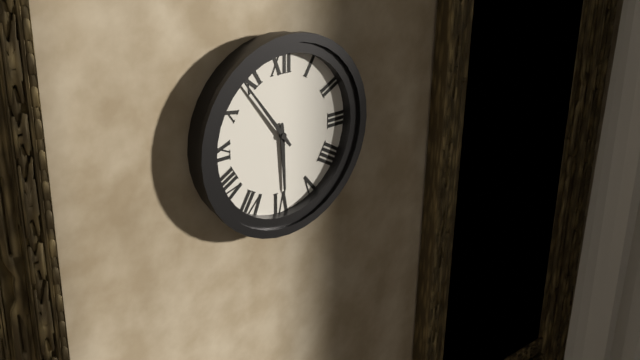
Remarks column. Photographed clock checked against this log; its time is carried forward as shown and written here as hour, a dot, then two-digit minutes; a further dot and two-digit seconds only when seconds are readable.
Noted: 5.54
